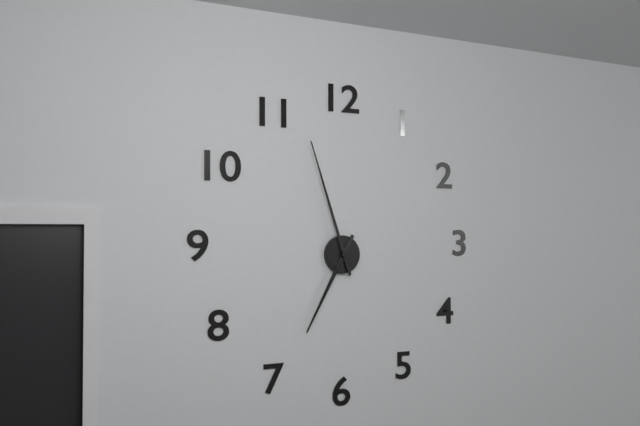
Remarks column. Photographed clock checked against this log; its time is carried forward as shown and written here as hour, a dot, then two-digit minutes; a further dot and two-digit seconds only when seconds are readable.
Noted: 6.57
